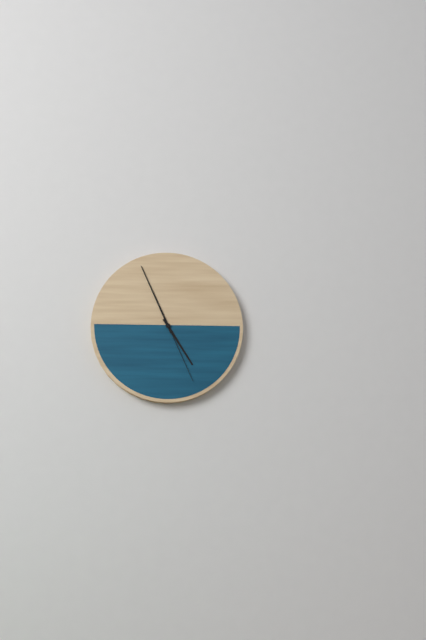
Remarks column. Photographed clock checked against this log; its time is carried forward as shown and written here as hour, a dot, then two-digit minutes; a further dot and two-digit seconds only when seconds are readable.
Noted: 4.56.26
